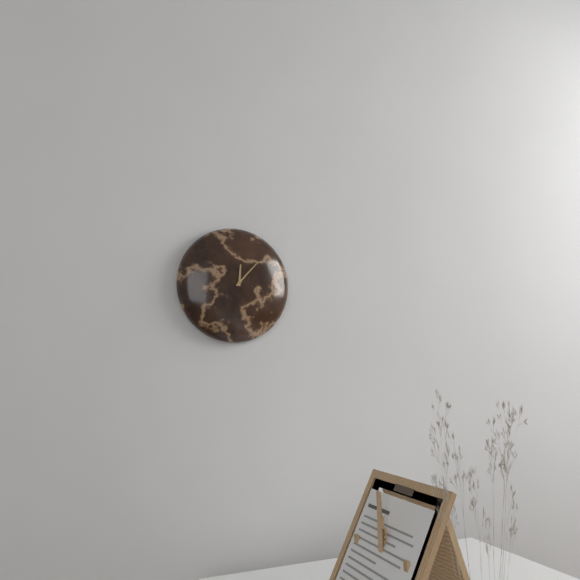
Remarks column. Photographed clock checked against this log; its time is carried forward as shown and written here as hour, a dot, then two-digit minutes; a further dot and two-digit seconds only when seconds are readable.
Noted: 12.07
